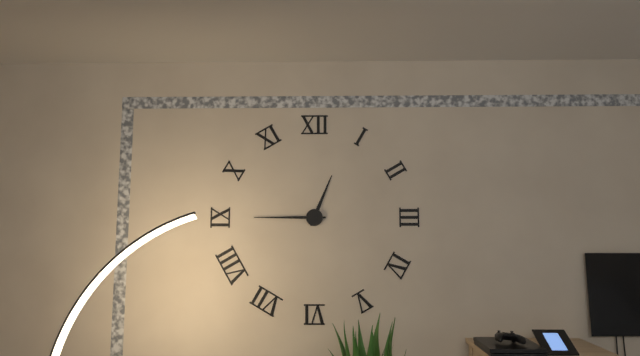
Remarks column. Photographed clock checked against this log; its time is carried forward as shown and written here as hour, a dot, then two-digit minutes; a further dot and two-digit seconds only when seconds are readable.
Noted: 12.45
